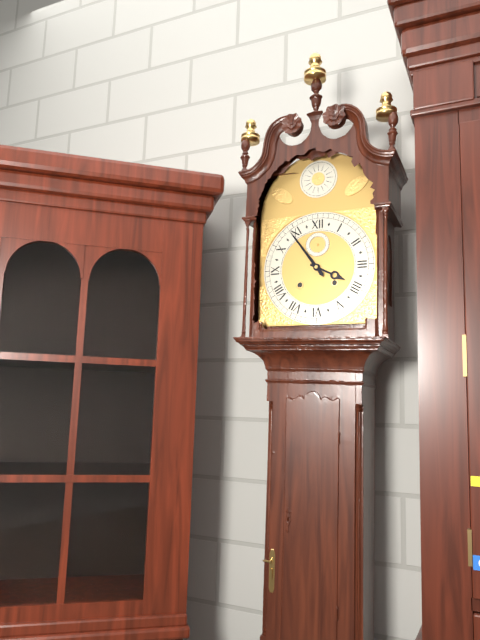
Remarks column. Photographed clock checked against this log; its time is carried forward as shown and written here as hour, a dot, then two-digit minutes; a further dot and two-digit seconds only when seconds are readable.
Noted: 3.54
